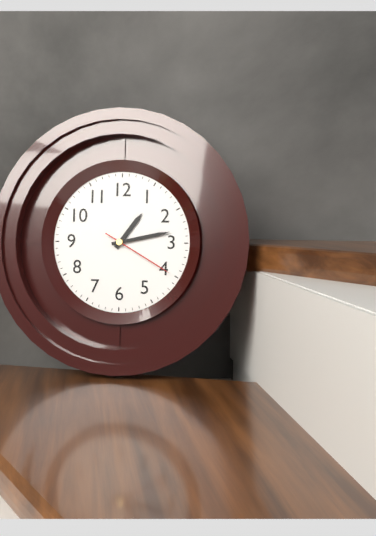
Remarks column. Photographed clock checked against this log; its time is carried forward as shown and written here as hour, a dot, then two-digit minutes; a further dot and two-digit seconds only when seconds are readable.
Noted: 1.13.20
